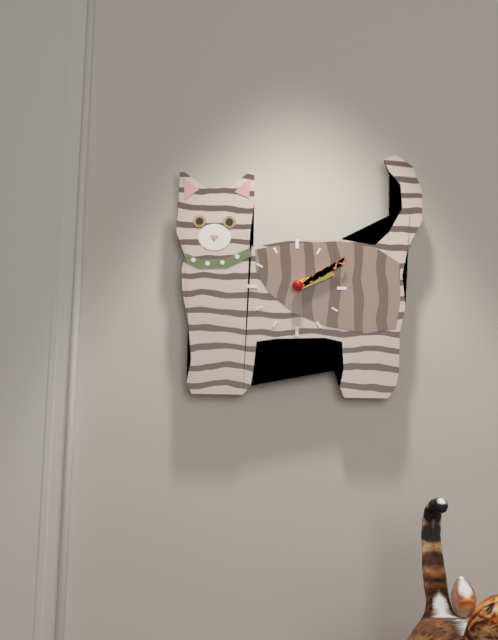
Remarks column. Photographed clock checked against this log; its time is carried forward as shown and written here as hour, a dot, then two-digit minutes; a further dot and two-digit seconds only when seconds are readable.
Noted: 2.10
